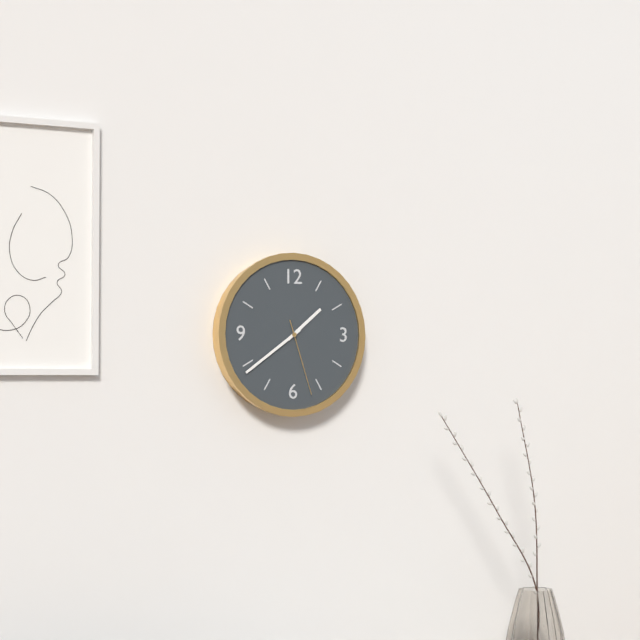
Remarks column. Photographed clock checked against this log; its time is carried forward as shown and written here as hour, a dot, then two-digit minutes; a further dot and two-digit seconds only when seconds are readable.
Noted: 1.39.27
